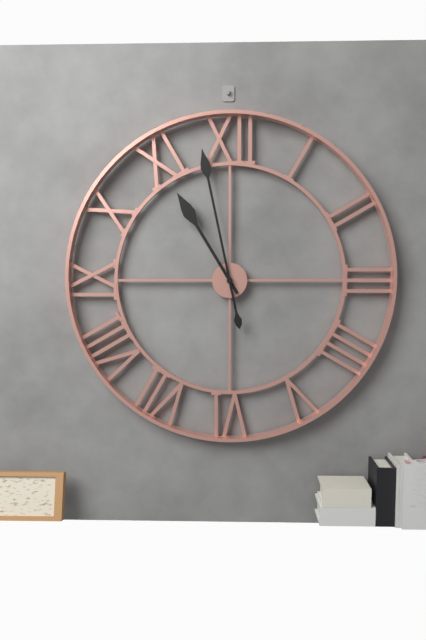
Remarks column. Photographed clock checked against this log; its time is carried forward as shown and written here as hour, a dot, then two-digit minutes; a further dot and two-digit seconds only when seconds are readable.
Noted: 10.58
